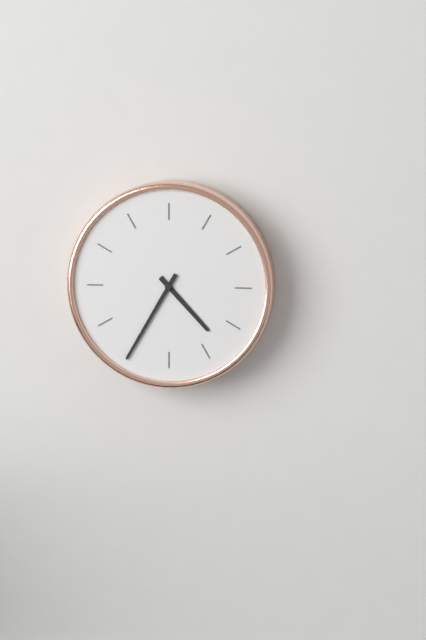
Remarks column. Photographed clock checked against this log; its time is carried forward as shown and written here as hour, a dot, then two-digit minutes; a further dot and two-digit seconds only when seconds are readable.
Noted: 4.35
